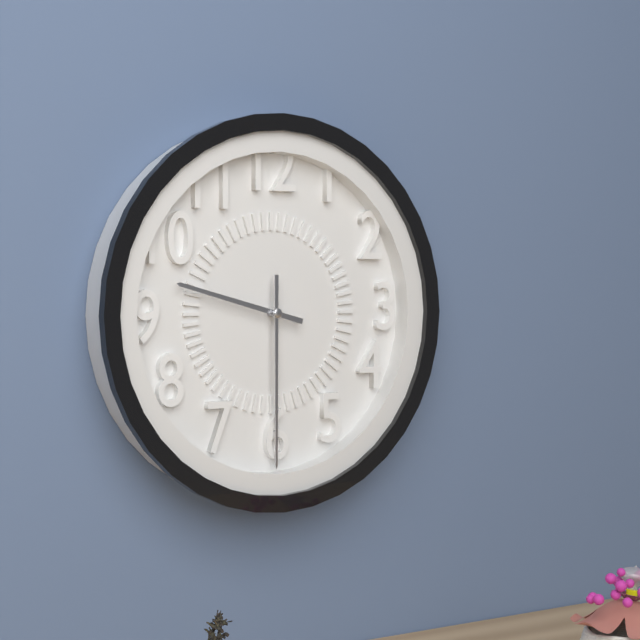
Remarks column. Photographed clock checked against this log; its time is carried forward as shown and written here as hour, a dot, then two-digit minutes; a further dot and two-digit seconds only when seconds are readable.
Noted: 9.30
